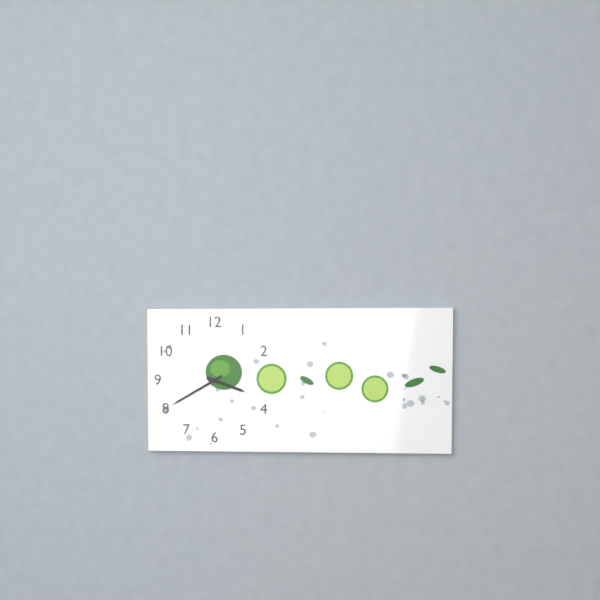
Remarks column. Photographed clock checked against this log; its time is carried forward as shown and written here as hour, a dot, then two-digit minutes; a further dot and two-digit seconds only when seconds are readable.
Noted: 3.40
